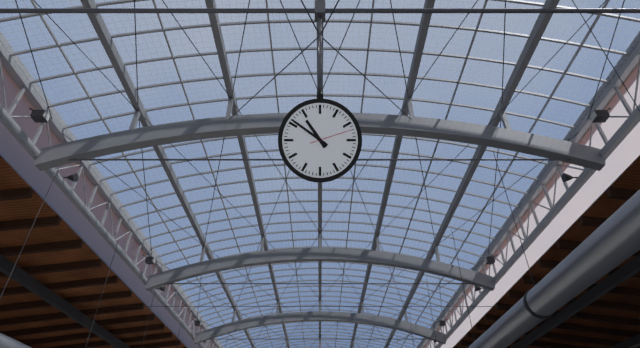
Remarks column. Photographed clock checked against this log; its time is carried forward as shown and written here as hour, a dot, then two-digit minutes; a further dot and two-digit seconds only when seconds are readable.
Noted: 10.51
